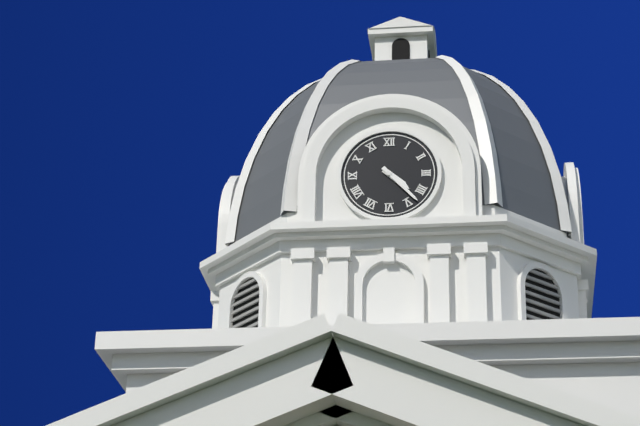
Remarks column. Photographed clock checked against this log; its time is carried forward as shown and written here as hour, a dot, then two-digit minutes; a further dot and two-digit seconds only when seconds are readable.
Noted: 4.23
